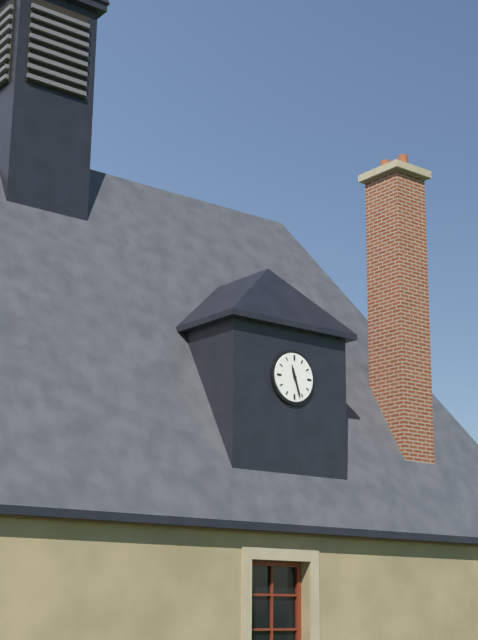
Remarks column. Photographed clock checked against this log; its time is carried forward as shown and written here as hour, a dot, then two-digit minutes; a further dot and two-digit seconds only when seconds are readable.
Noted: 11.27
